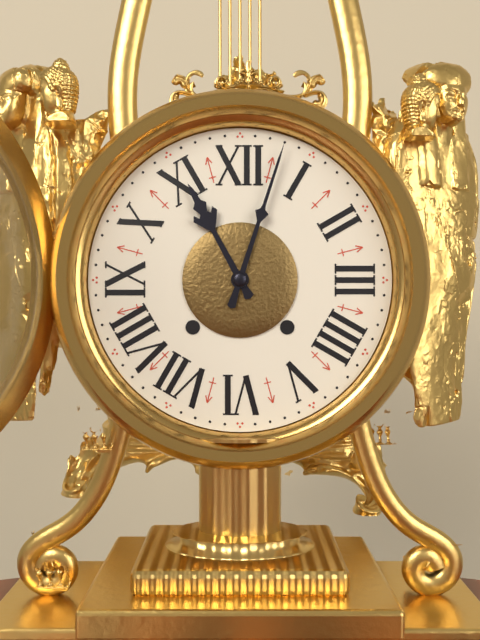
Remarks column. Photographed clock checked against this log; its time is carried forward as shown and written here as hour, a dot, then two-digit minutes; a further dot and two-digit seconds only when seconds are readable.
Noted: 11.03
